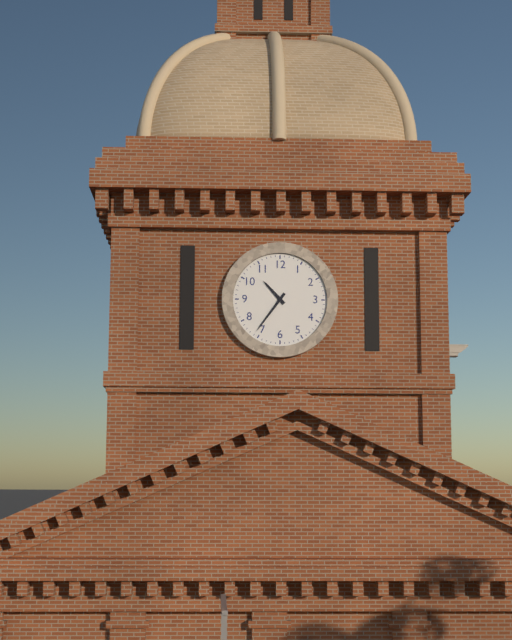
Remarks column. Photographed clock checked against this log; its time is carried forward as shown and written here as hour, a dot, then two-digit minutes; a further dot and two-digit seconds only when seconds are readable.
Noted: 10.36
